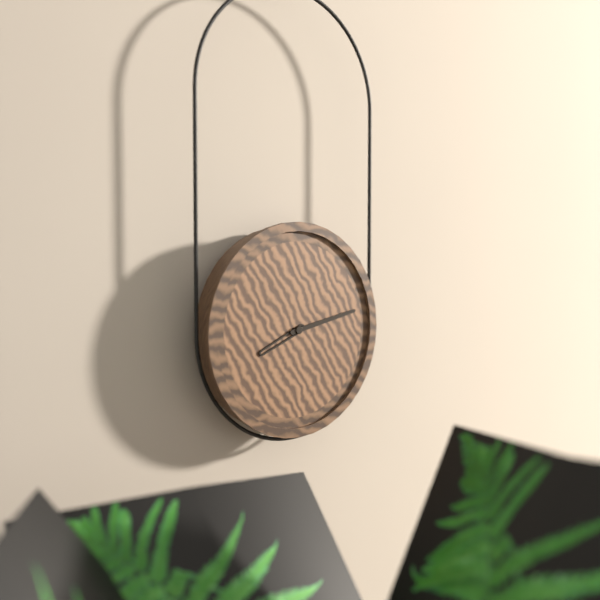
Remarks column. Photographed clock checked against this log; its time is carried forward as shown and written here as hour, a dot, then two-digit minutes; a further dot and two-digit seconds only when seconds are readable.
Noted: 8.13
